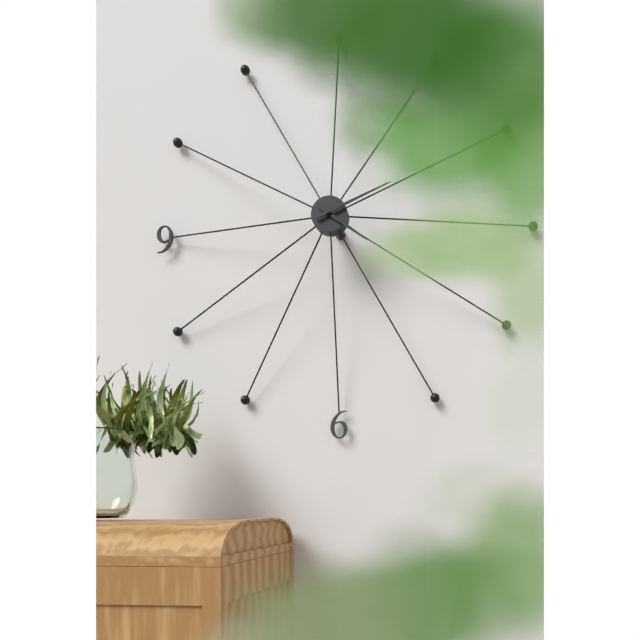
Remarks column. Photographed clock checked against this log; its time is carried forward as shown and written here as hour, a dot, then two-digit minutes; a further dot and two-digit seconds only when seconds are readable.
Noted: 4.11
